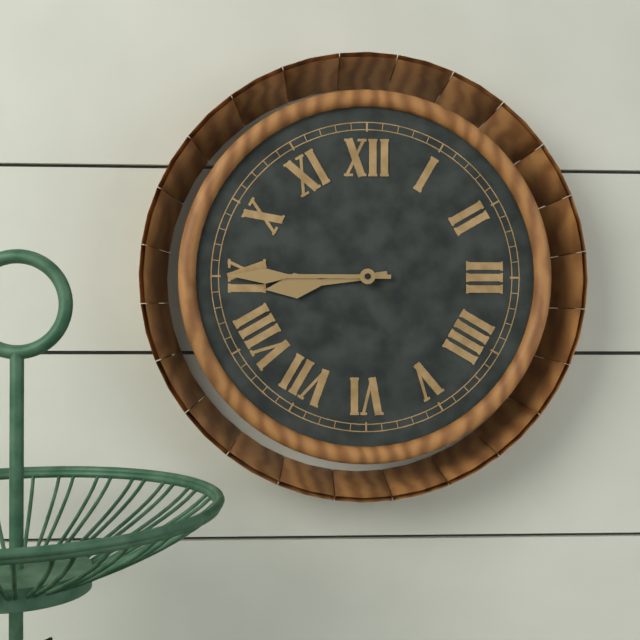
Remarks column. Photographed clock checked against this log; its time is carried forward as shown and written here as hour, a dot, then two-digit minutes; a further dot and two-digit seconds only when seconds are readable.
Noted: 8.45
